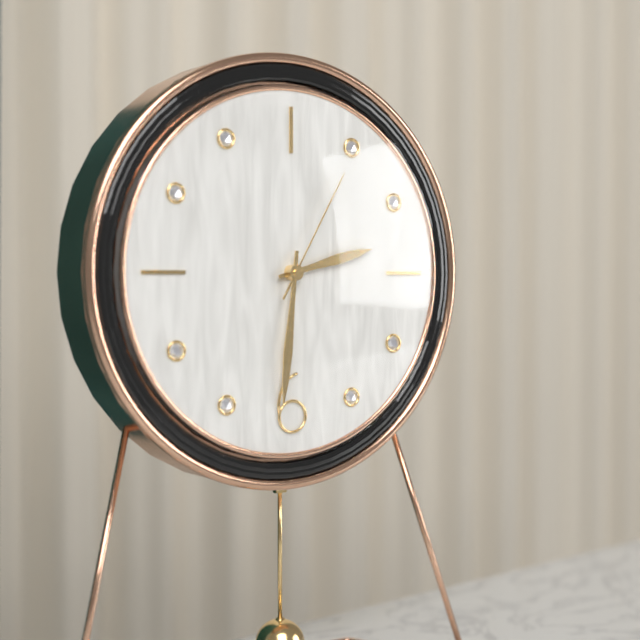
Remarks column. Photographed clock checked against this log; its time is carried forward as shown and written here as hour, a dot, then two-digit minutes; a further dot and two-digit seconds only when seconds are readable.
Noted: 2.31.05
